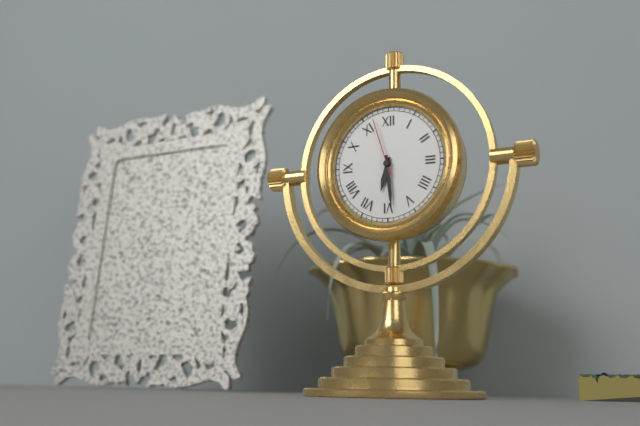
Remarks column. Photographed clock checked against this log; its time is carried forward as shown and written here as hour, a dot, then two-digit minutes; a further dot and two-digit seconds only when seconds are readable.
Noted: 6.29.57
